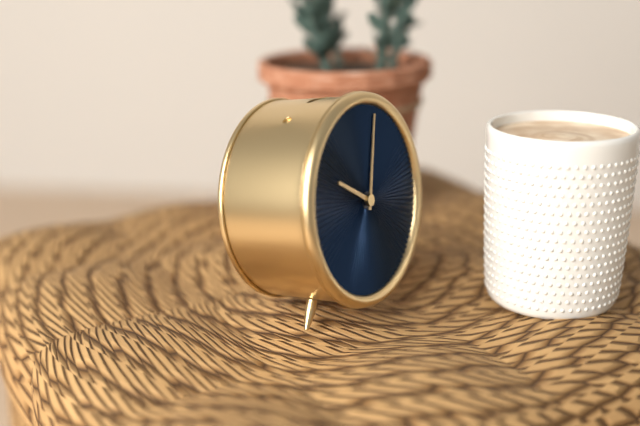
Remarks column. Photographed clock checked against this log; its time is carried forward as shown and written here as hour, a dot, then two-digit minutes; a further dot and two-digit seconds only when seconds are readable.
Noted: 10.03
